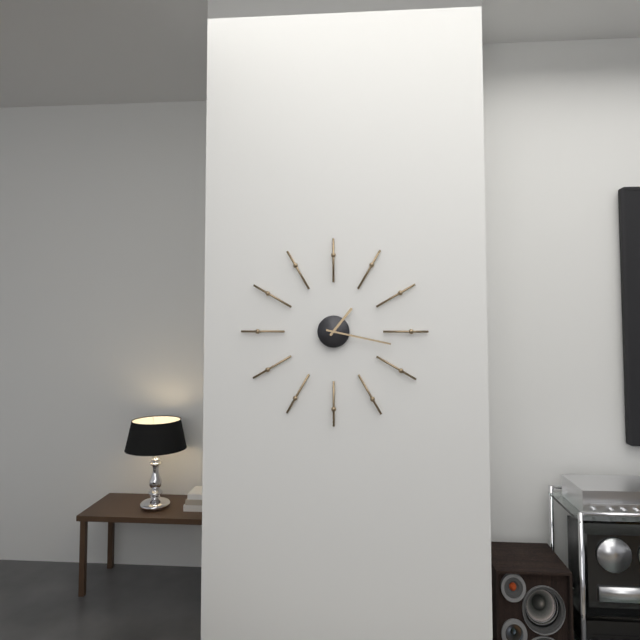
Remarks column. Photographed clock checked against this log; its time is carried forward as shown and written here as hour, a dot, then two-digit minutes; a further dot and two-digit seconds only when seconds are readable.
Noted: 1.17
